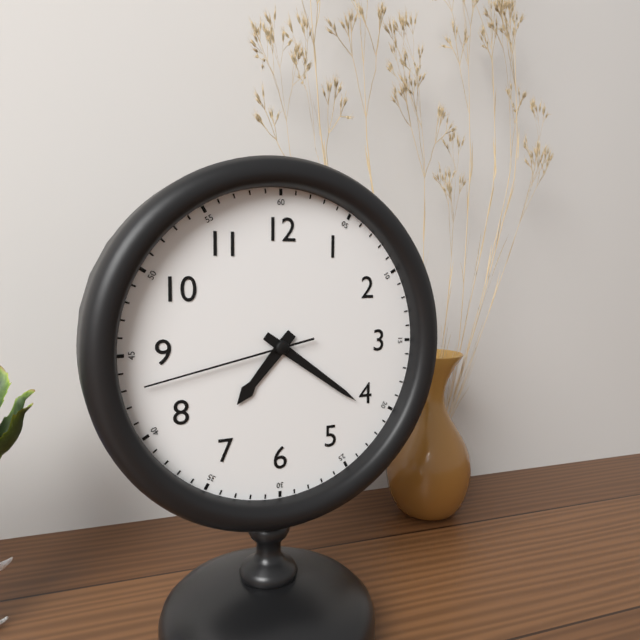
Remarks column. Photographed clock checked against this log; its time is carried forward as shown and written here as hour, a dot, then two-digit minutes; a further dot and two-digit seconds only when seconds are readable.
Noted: 7.21.43
